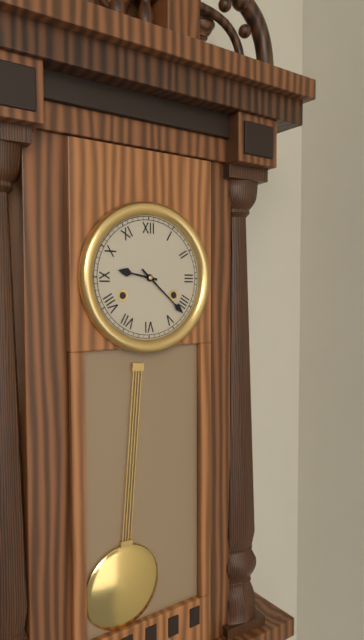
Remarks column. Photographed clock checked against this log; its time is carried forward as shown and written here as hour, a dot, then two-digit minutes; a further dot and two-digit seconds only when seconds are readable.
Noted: 9.22
